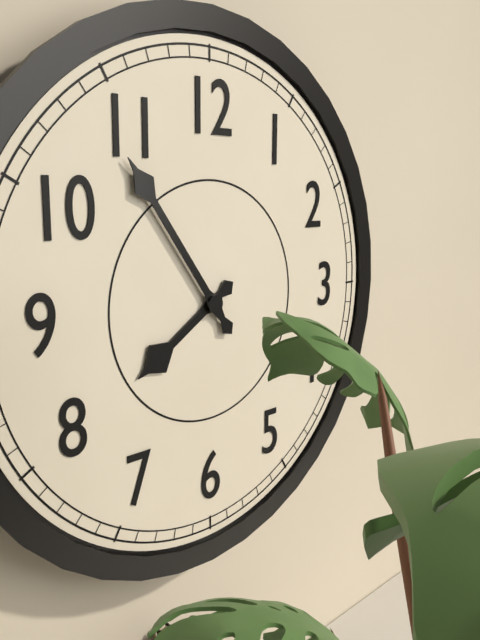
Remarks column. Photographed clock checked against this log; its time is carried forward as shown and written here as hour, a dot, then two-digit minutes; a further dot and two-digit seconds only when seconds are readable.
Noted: 7.54
